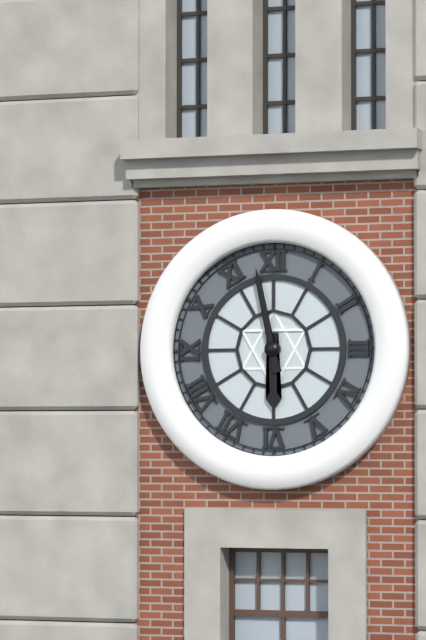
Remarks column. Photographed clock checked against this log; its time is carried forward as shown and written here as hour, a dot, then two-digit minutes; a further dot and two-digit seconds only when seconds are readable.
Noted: 5.58
